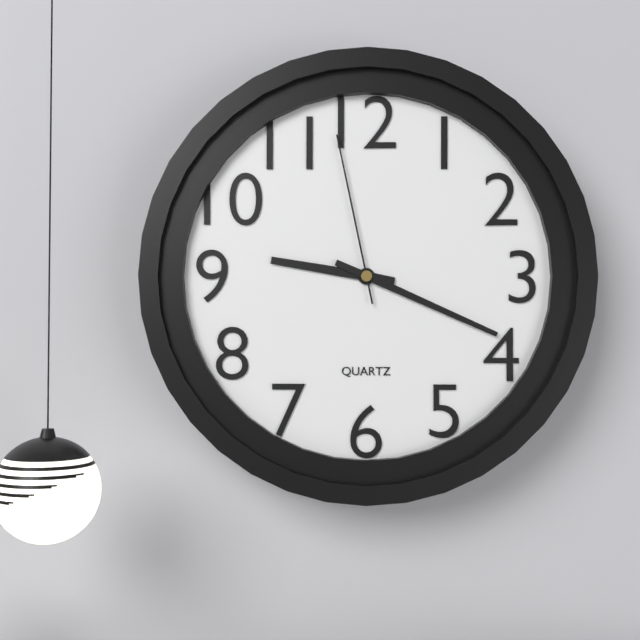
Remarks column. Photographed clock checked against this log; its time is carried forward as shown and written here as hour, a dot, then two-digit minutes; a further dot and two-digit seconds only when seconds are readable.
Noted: 9.19.58
